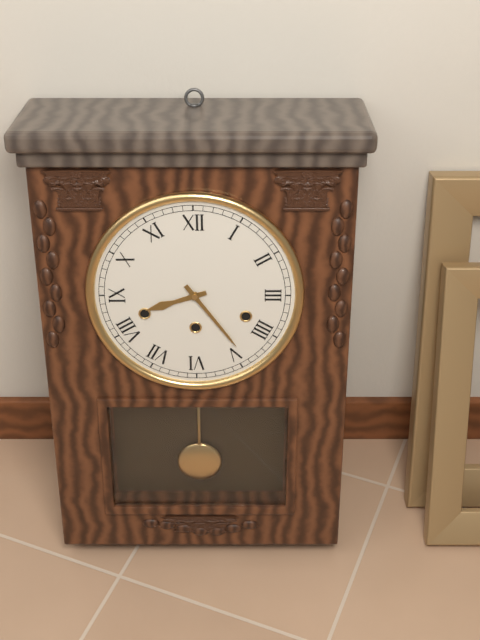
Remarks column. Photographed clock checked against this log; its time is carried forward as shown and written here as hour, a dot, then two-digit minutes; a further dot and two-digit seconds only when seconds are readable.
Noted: 8.24
